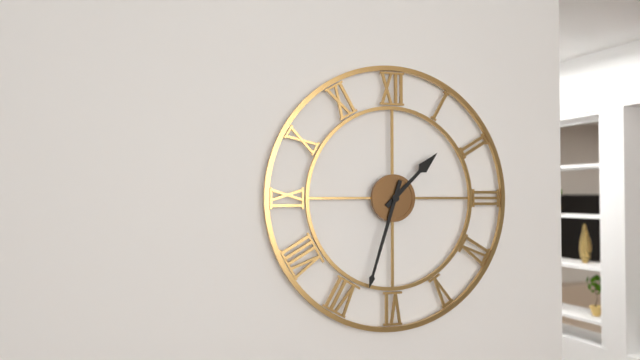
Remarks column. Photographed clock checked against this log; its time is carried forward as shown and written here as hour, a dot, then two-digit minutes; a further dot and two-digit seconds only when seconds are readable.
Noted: 1.33
